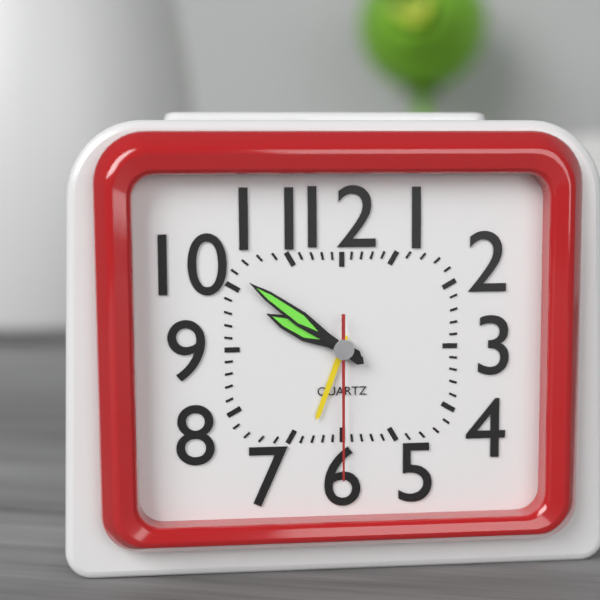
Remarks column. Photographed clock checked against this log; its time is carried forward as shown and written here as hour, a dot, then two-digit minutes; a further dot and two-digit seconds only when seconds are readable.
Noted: 9.51.30
